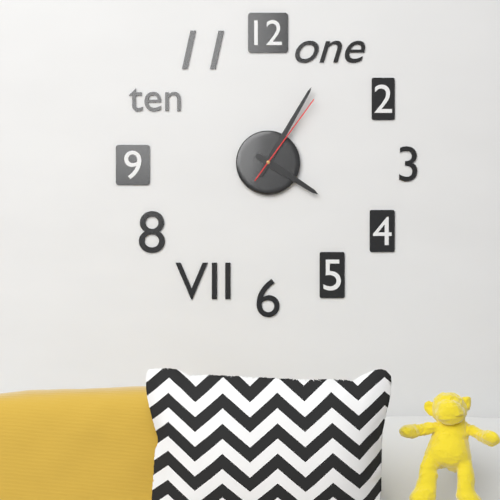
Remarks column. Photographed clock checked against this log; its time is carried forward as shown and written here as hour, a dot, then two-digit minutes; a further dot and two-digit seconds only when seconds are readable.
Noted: 4.05.06
